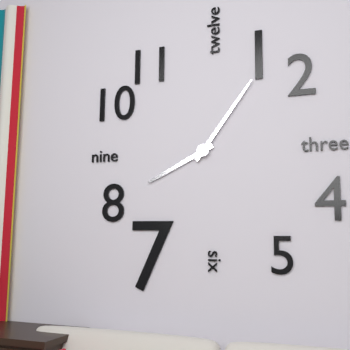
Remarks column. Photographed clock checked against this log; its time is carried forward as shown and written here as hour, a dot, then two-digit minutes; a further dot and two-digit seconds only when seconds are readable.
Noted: 8.06
